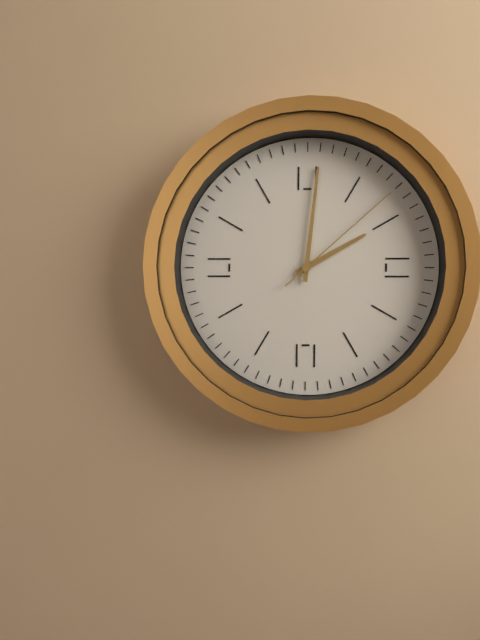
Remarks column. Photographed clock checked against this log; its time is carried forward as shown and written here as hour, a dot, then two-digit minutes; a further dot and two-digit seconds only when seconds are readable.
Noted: 2.01.08
